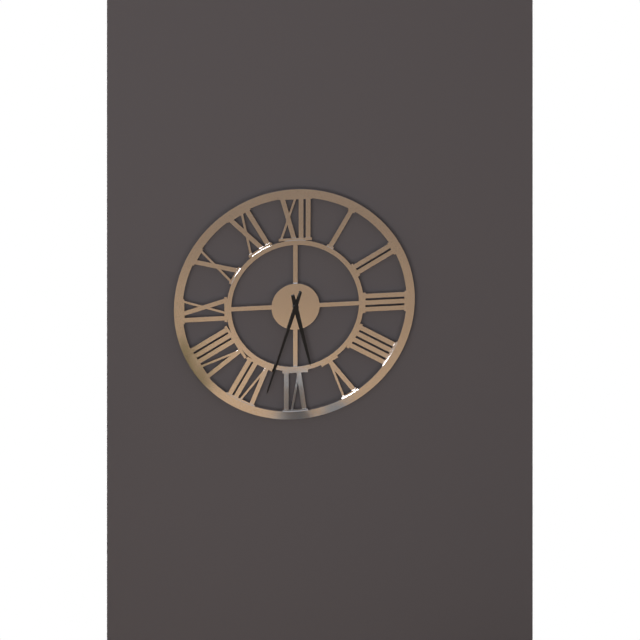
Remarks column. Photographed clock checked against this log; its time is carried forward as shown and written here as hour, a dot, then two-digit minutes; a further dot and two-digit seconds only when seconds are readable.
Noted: 5.33
